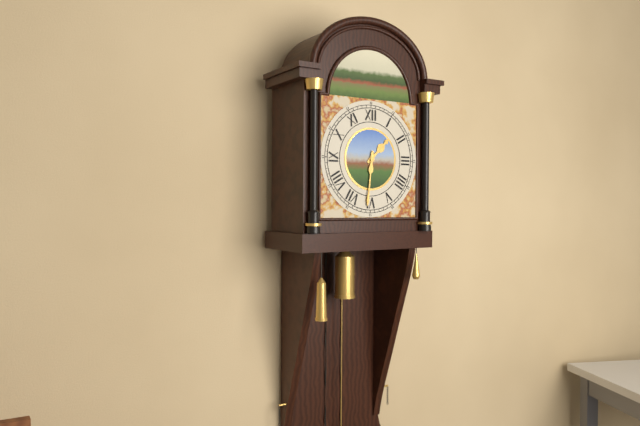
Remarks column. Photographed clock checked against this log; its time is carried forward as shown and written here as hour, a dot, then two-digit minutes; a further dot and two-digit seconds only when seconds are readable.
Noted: 1.31
